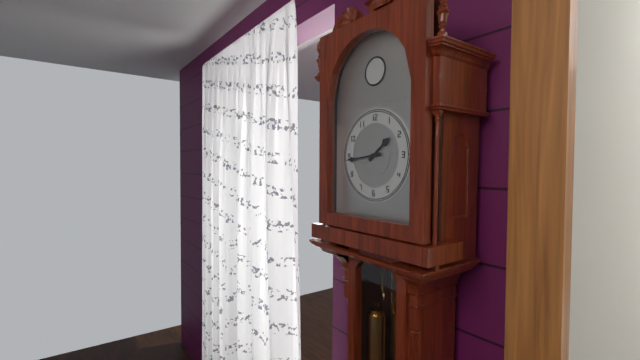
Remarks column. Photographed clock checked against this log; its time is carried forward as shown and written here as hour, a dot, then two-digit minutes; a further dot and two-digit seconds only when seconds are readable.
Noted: 1.44
